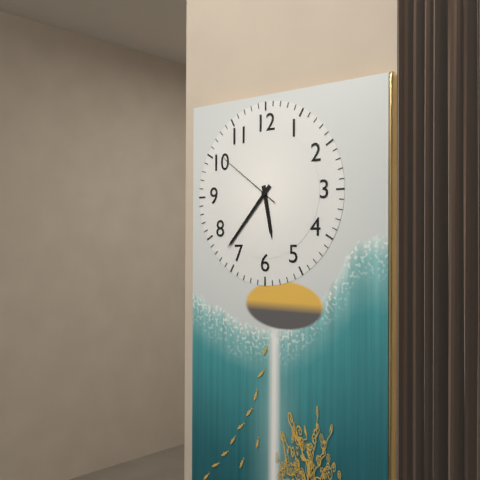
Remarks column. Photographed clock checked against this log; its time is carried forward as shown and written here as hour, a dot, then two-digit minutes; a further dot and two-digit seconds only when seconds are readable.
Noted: 5.37.51
